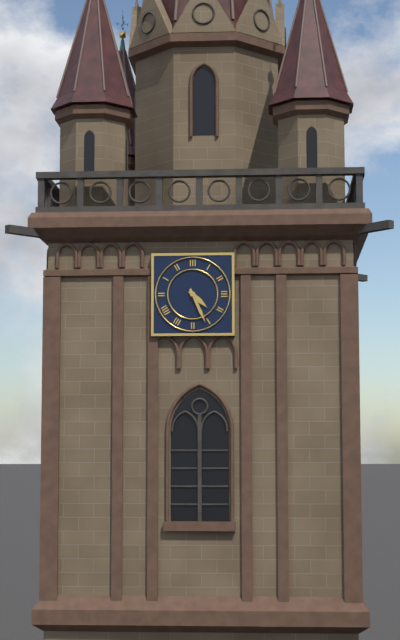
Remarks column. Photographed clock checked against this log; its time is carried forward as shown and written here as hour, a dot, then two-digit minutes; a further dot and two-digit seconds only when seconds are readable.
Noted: 4.26
